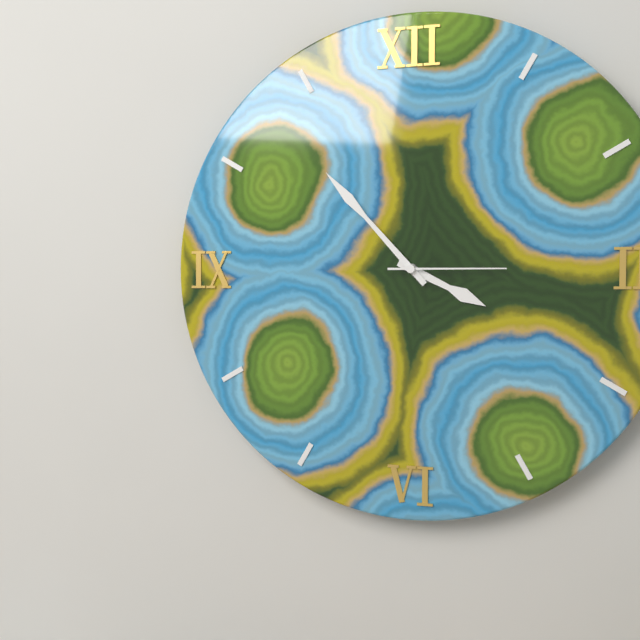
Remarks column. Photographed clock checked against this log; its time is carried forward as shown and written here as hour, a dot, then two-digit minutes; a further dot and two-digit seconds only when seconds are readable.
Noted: 3.53.15
